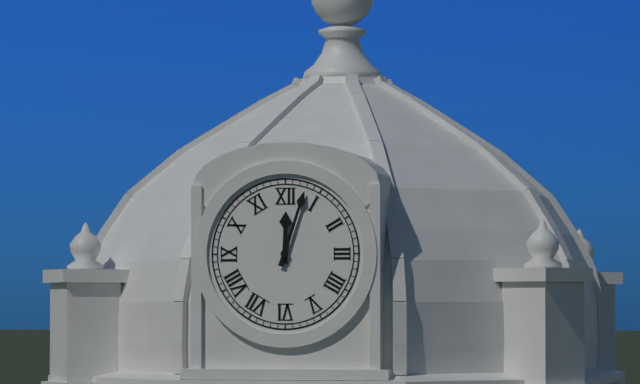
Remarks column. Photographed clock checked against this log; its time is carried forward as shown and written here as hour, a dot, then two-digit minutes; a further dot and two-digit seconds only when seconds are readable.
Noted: 12.03
